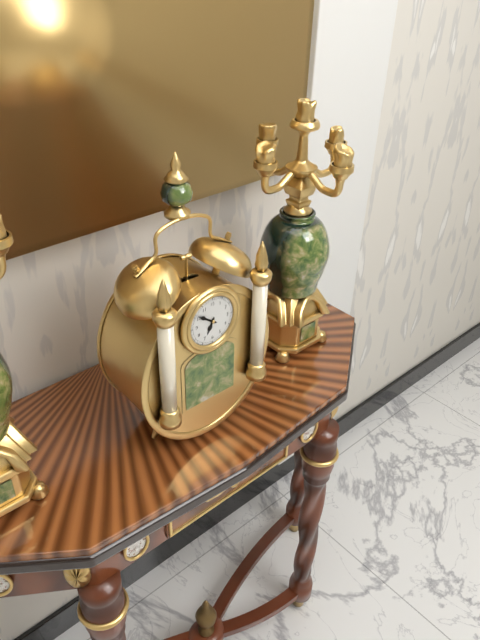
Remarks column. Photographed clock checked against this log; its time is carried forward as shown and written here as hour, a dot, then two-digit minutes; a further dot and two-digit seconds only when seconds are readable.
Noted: 6.51
